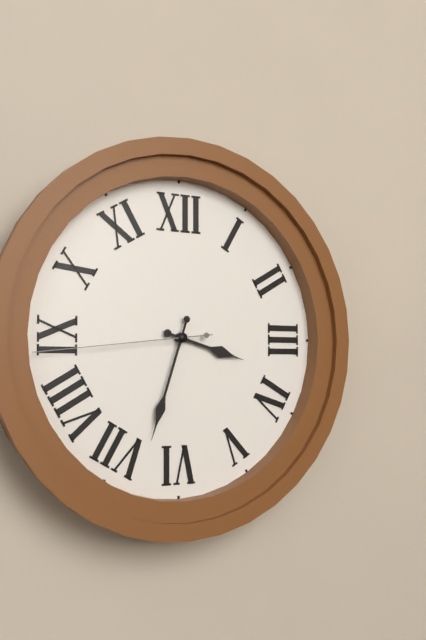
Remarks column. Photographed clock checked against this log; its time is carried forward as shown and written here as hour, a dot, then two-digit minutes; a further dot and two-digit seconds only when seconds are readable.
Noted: 3.33.44
